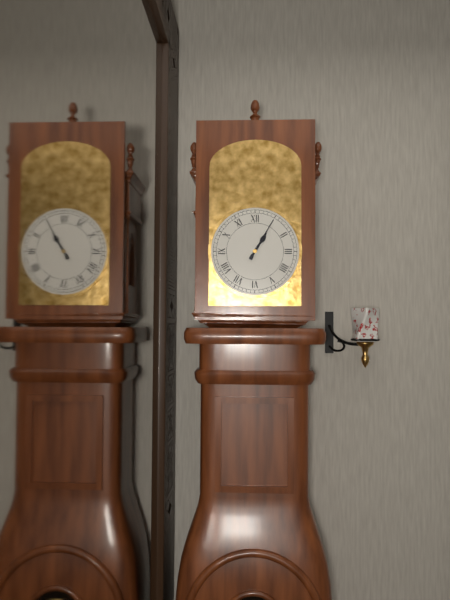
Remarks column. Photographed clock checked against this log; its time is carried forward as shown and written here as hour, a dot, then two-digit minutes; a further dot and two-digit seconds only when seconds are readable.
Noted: 1.05
